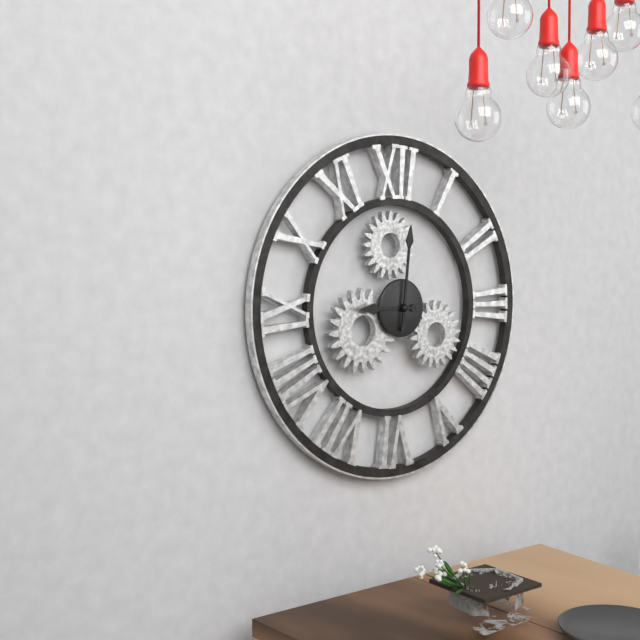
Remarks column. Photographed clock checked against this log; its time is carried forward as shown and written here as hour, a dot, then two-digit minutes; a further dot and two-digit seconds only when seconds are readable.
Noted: 9.01
